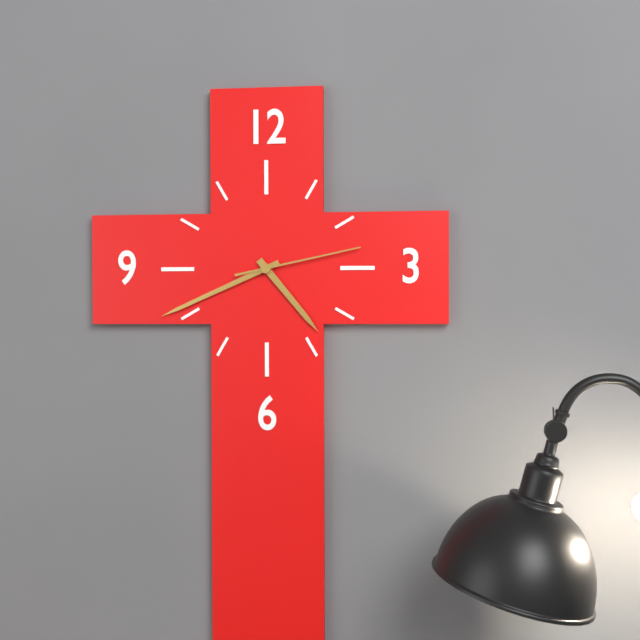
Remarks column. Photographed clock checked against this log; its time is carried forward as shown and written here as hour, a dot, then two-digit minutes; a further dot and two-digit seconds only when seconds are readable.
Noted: 4.41.13
